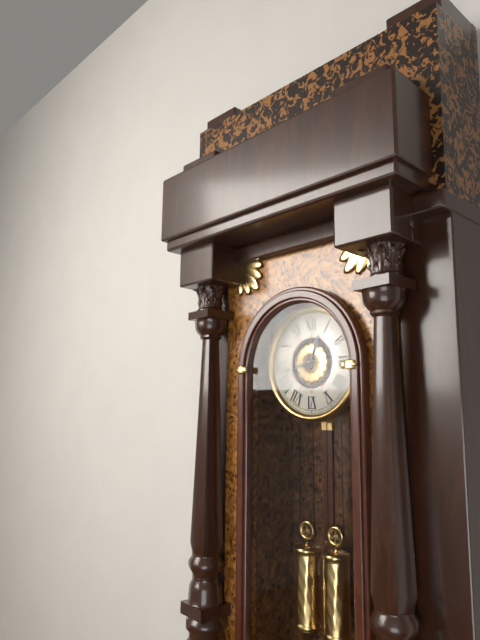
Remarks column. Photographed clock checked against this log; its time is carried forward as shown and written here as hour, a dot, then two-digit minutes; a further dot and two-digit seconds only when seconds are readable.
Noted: 12.43
